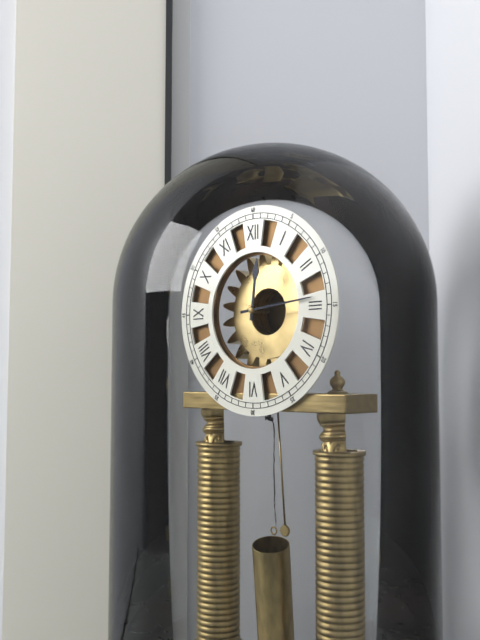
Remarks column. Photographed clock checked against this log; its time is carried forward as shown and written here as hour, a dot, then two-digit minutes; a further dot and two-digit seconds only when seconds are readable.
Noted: 12.14
